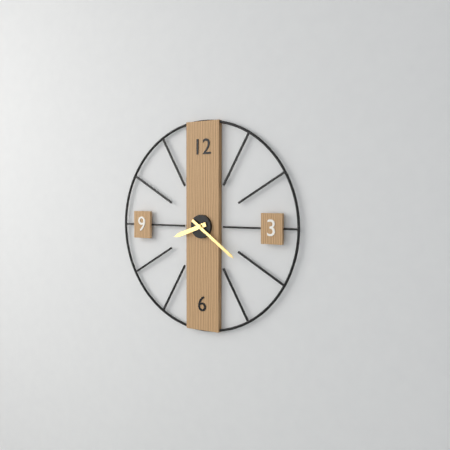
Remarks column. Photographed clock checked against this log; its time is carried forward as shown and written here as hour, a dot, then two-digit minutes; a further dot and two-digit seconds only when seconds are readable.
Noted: 8.21
